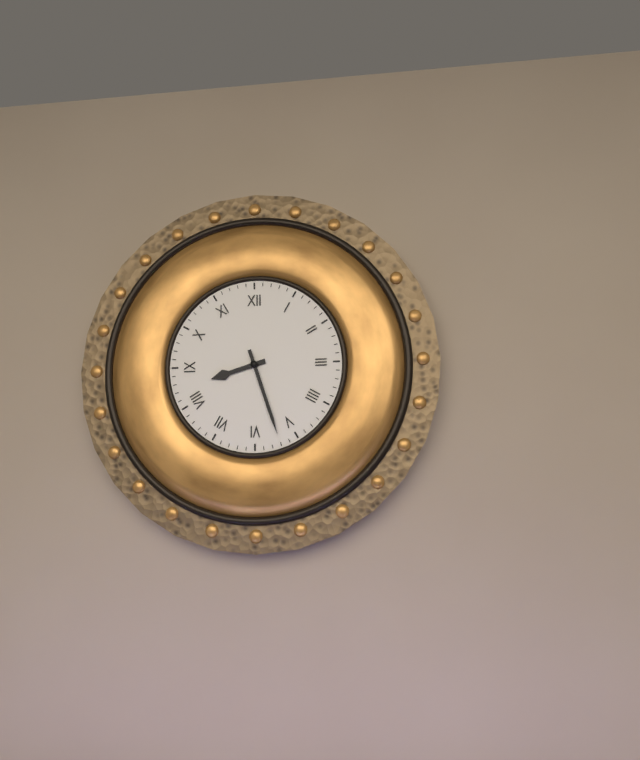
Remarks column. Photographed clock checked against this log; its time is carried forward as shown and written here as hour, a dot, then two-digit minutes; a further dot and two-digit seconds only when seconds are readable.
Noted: 8.27
